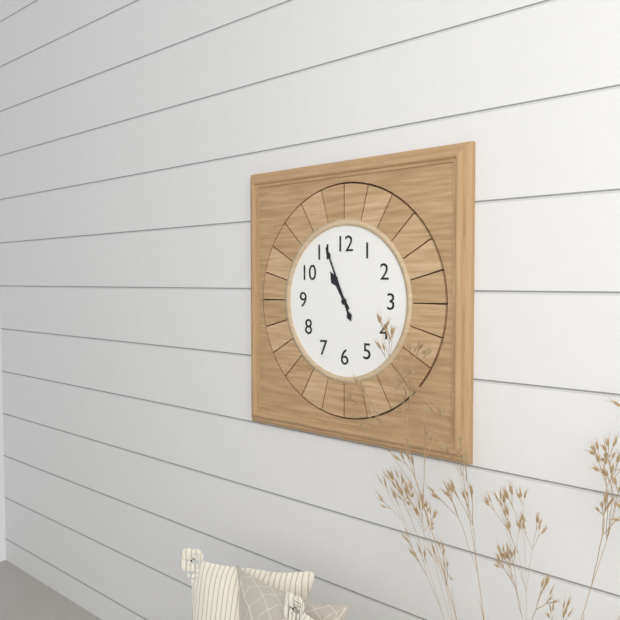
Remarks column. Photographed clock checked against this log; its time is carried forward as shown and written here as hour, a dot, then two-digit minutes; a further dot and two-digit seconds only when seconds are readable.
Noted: 10.56
